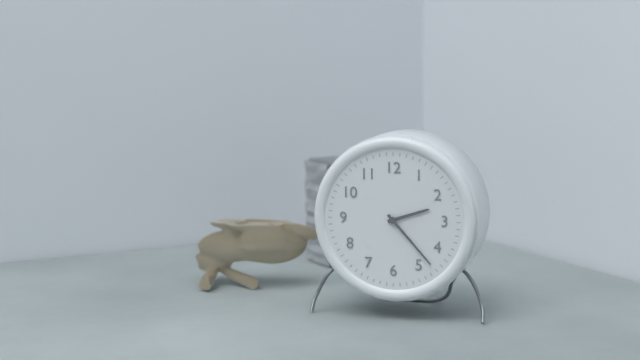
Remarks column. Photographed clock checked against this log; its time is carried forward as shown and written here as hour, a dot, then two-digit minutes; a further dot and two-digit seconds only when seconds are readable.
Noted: 2.23
